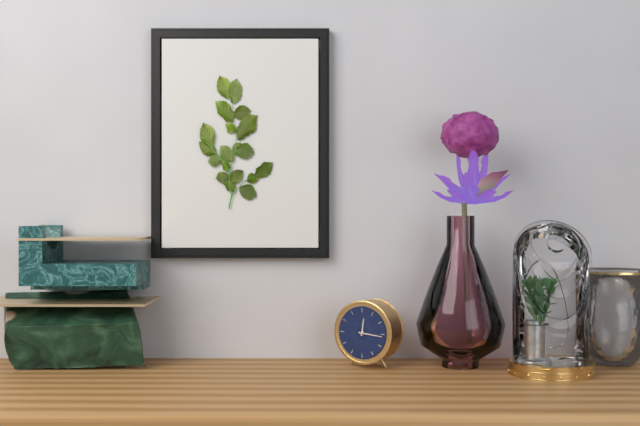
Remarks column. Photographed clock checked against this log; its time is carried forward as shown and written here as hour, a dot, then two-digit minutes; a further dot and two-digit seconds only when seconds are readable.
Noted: 12.16
